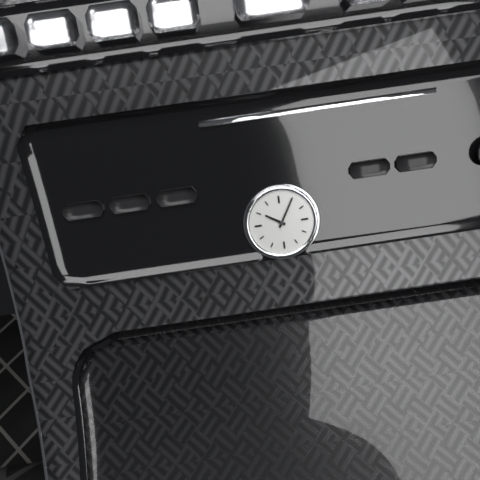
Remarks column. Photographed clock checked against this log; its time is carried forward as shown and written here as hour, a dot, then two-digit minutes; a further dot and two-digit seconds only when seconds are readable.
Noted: 10.05
